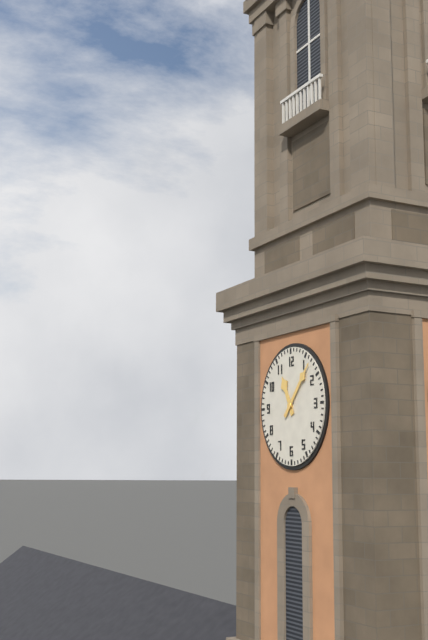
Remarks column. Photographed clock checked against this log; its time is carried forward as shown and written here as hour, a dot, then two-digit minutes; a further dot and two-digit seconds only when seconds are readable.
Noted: 11.07
